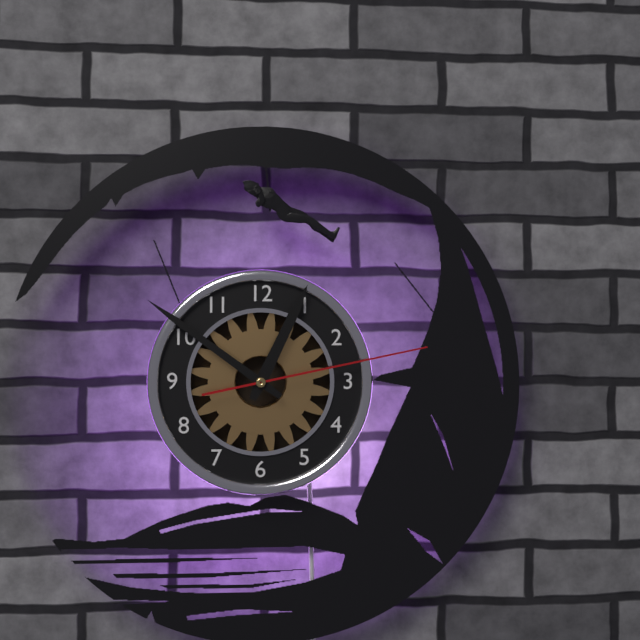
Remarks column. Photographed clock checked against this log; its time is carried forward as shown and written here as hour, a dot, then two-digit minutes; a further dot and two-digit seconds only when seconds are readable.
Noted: 12.51.13
